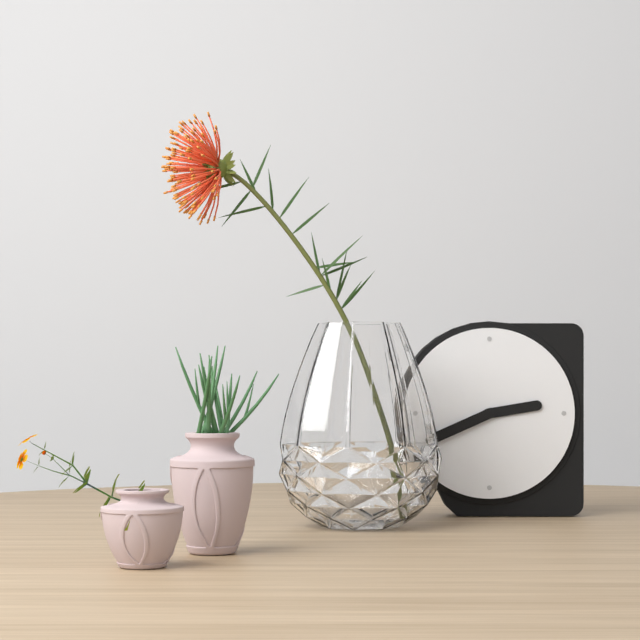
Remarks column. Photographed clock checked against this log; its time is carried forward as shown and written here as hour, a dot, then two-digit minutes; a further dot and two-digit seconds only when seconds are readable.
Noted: 2.41
